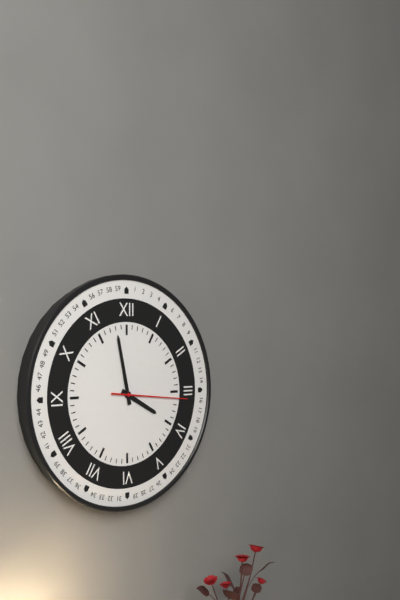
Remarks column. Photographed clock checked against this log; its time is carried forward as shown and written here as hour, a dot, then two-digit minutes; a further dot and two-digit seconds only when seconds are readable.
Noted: 3.58.16
